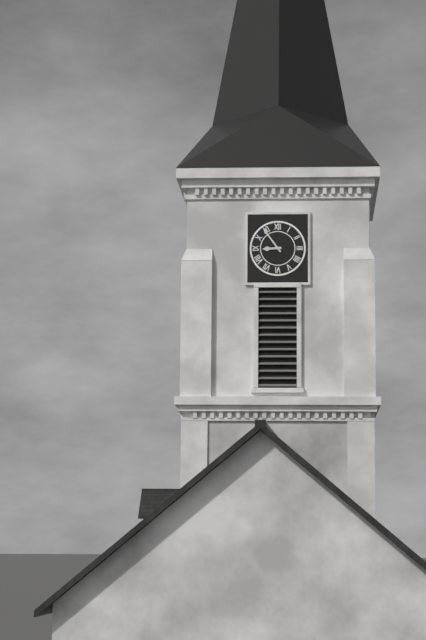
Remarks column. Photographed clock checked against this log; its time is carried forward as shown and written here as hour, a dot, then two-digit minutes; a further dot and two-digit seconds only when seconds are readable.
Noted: 8.54
